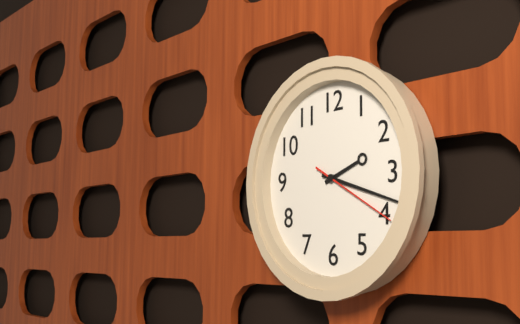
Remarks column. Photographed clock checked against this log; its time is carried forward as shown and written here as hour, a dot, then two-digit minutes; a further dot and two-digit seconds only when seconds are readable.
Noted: 2.18.20
